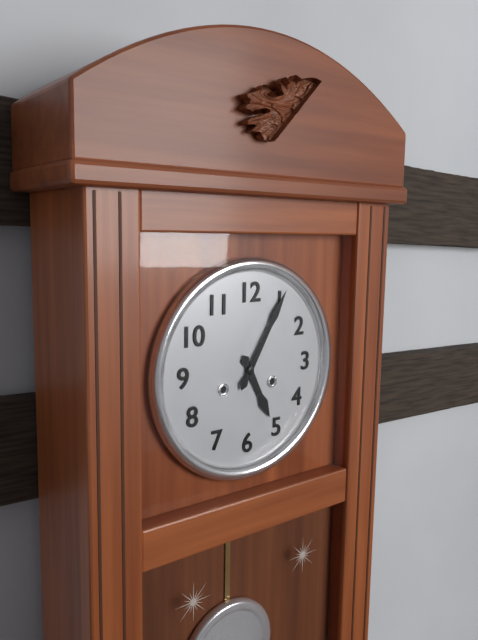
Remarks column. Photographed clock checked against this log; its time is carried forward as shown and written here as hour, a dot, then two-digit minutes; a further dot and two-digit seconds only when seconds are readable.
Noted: 5.05
